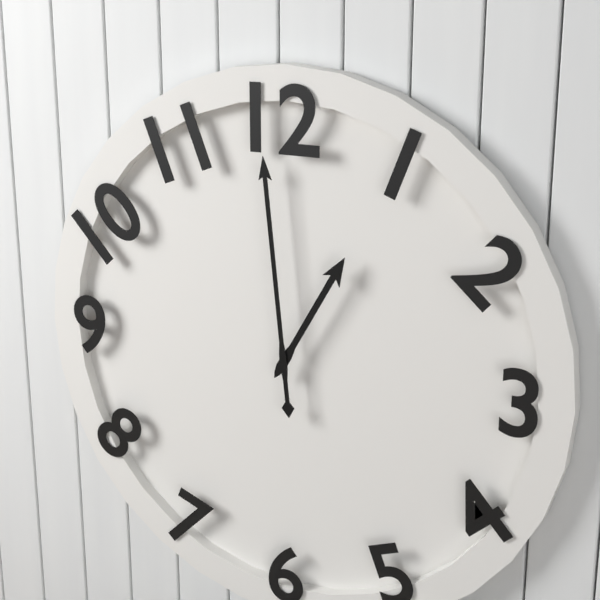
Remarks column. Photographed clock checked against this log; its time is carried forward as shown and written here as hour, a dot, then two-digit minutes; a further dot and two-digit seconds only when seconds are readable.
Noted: 12.59
